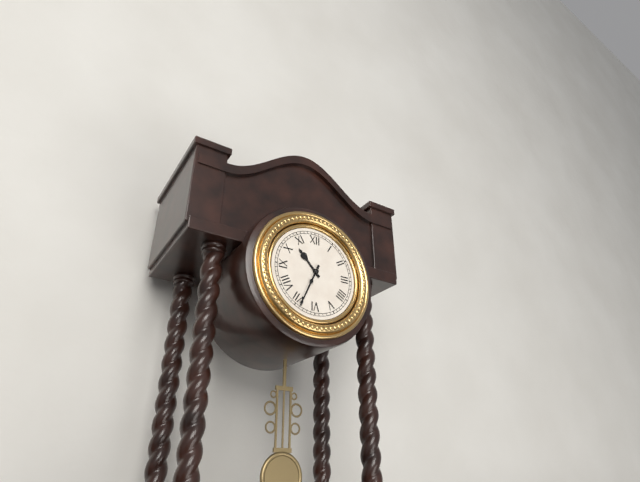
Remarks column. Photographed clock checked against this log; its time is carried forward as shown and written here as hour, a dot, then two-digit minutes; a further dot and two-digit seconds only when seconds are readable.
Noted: 10.34
